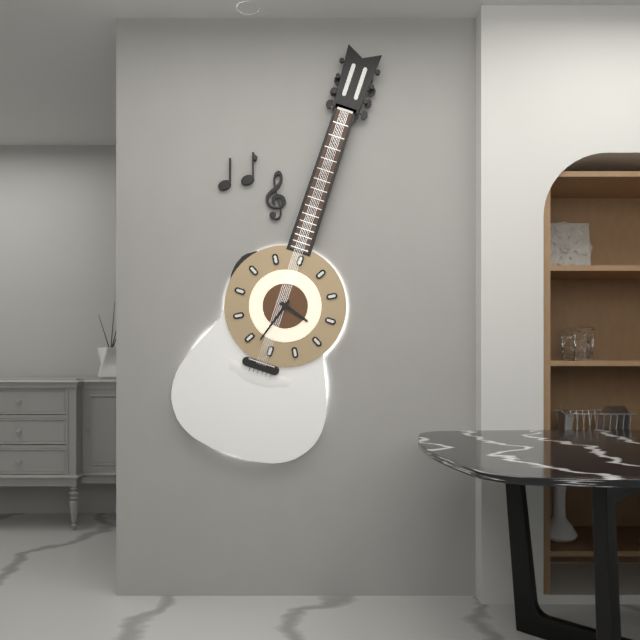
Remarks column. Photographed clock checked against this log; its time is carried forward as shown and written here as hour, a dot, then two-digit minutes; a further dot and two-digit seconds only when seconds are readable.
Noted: 3.33
